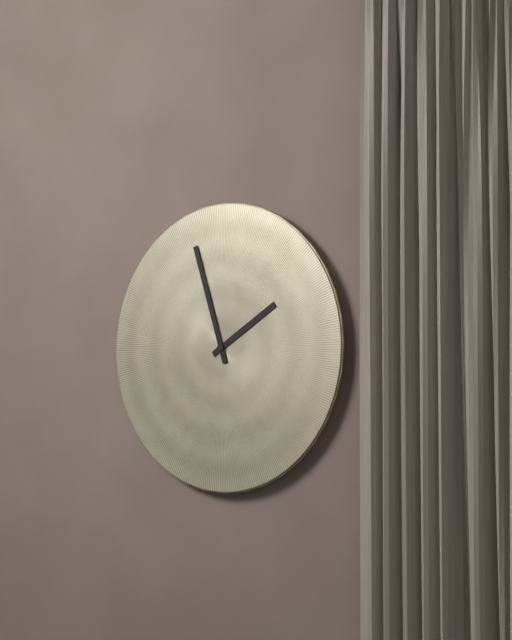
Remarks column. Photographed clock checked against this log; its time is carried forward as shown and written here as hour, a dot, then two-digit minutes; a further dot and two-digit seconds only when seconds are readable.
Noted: 1.57
